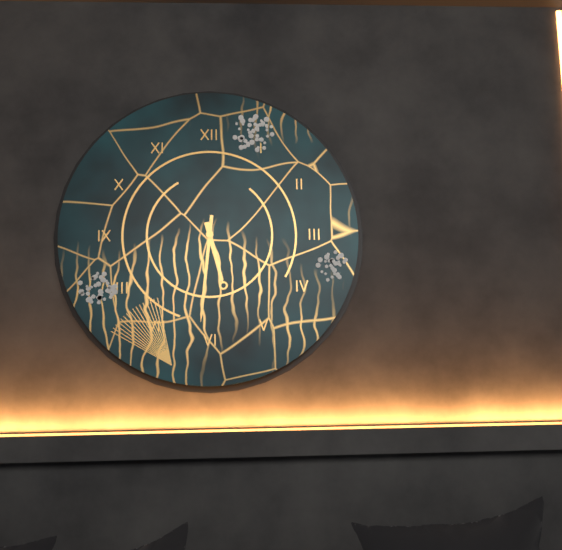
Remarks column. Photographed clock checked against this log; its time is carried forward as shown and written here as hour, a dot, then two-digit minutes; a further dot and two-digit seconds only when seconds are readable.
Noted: 5.31
